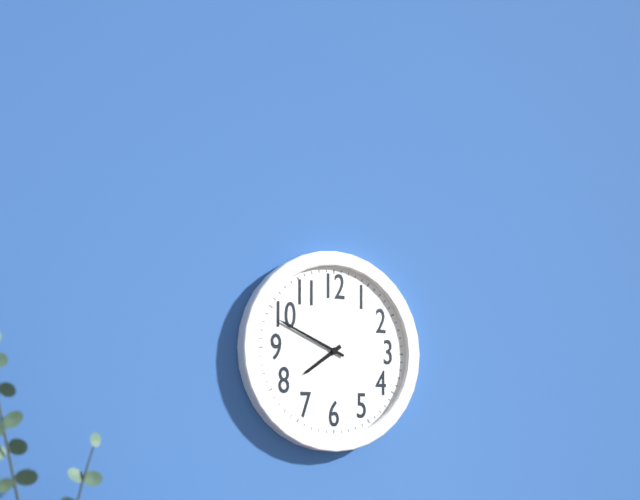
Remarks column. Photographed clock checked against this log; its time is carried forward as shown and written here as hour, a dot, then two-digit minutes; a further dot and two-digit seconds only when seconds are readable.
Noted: 7.49
